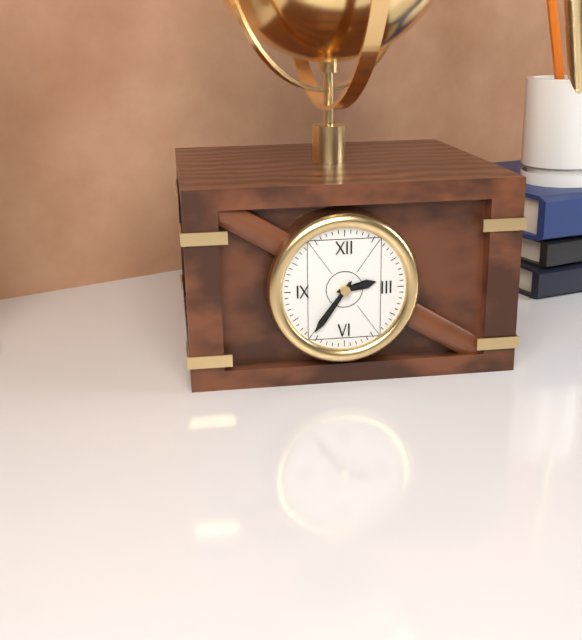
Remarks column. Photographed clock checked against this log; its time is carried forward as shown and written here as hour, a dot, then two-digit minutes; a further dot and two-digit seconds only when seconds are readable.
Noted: 2.36
